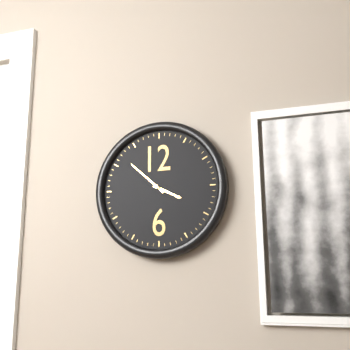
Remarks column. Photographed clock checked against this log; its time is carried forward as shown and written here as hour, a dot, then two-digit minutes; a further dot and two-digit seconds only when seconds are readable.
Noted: 3.52
